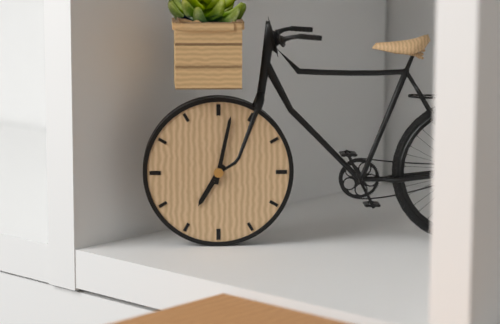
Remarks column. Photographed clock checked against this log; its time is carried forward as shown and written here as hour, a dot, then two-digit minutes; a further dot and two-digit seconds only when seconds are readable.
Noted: 7.02
